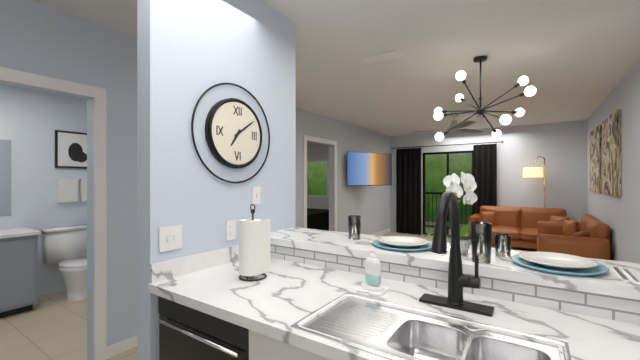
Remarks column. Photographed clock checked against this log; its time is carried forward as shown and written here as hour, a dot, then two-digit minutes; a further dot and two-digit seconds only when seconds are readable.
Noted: 7.09
